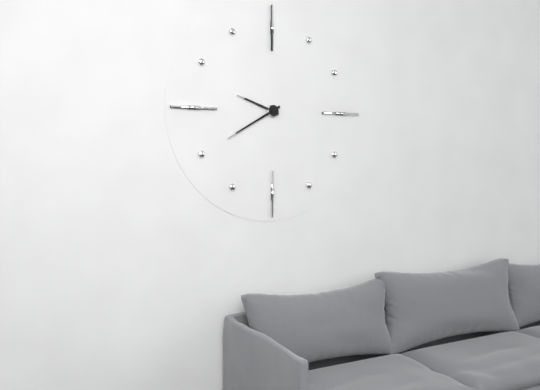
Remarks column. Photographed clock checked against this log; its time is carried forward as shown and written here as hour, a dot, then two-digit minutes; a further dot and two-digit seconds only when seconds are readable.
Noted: 9.40
